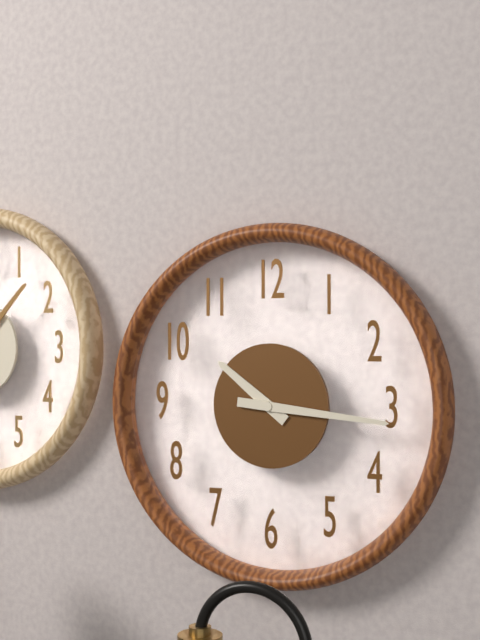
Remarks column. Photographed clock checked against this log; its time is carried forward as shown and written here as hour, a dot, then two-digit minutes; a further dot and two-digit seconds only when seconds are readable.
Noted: 10.16
